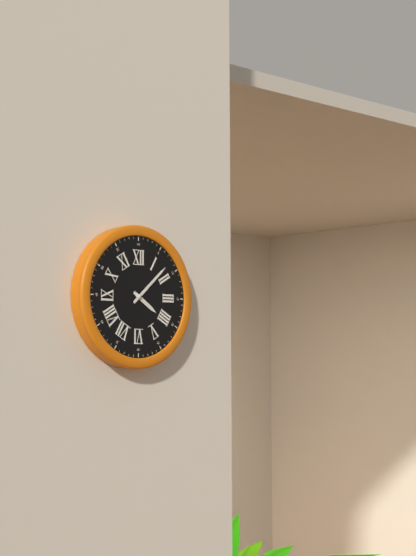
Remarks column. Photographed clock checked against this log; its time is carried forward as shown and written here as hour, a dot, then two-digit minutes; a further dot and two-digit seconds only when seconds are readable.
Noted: 4.08
